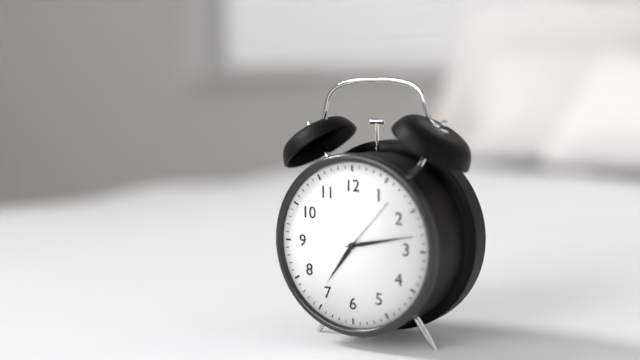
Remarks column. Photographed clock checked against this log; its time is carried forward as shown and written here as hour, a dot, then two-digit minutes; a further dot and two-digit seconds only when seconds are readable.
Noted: 7.13
